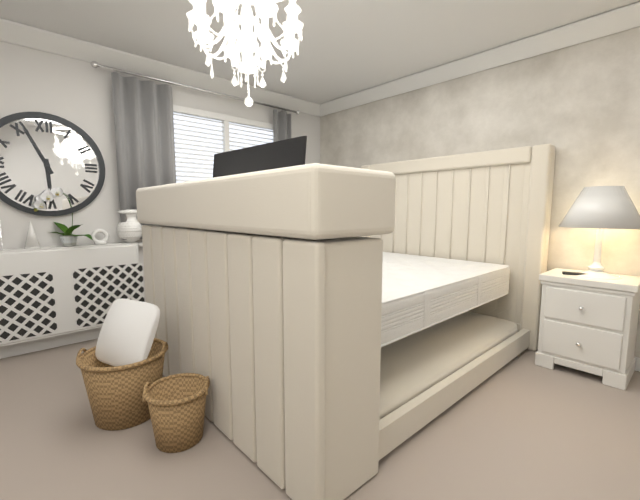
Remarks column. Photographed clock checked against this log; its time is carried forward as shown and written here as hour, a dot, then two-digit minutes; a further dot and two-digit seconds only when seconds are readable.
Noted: 5.56
